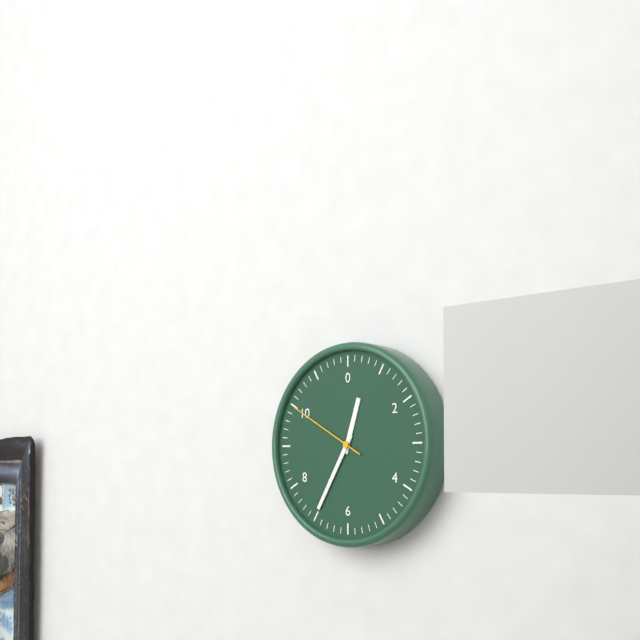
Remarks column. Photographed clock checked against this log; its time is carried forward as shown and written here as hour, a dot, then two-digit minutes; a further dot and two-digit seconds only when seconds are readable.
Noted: 12.35.50
